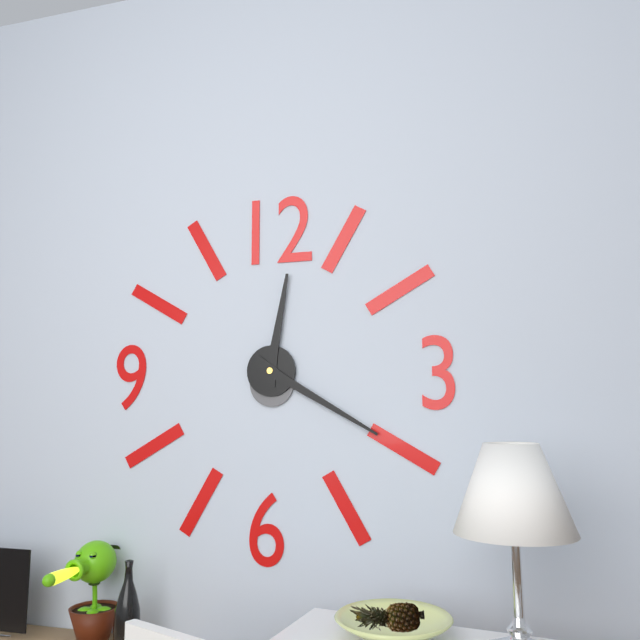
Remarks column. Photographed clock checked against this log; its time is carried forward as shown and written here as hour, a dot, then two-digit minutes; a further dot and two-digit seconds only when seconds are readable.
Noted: 12.20
